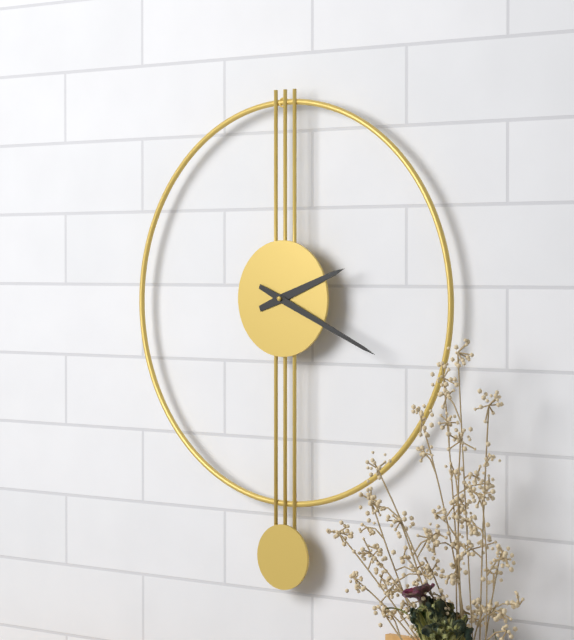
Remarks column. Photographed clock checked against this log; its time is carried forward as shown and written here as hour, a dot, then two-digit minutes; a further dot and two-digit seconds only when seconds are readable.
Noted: 2.19
